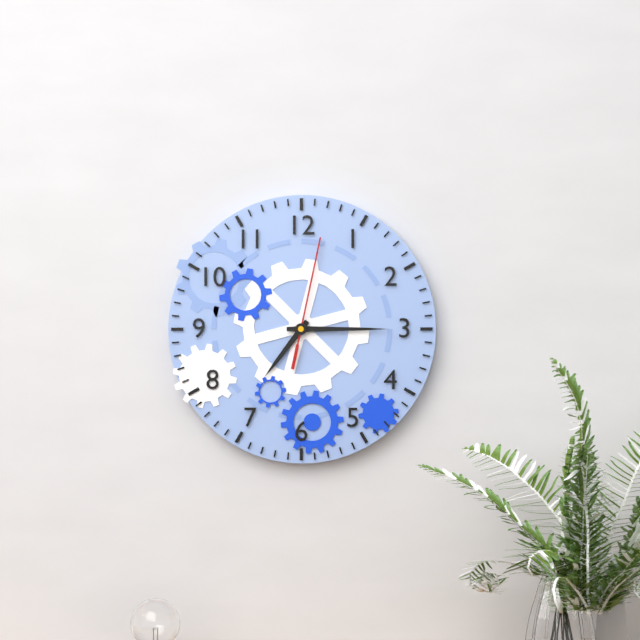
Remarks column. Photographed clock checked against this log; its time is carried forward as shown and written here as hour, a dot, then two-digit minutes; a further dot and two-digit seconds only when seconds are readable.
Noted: 7.15.02
